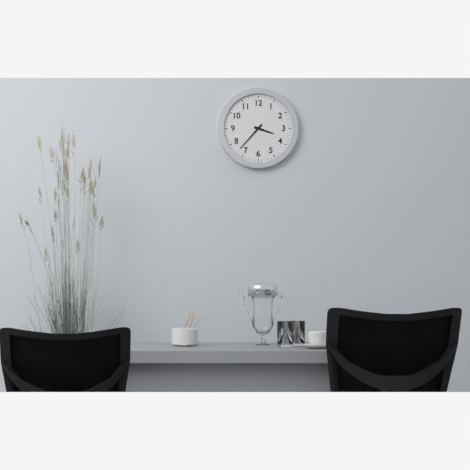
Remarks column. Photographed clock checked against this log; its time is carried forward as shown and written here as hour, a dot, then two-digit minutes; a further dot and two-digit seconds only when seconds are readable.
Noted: 3.37
